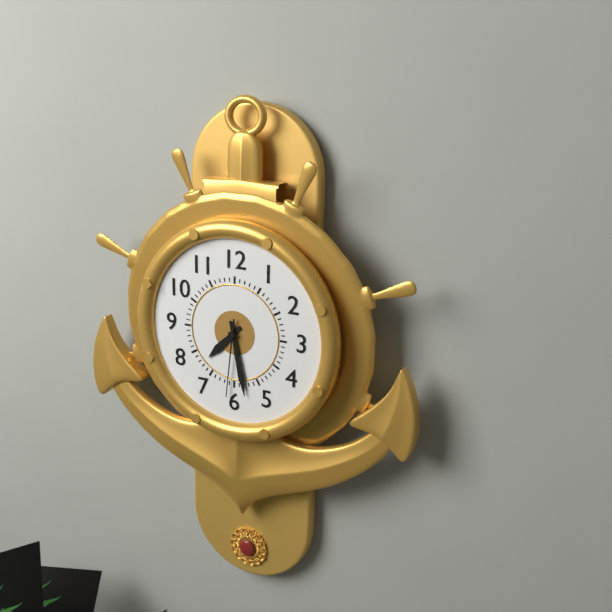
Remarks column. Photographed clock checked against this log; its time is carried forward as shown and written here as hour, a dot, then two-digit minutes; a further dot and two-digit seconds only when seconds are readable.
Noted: 7.28.31
